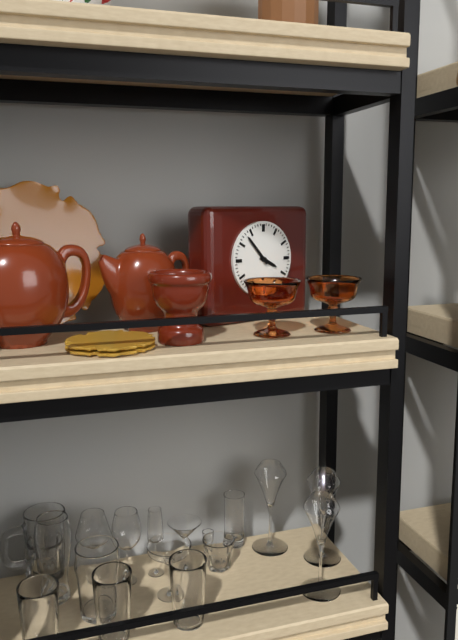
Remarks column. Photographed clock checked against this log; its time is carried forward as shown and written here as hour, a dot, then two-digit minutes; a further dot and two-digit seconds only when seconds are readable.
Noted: 3.53
